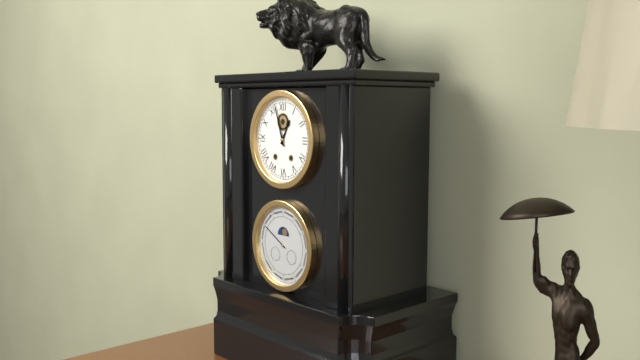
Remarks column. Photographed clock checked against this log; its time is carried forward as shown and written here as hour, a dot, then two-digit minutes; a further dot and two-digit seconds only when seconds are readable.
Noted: 12.57
